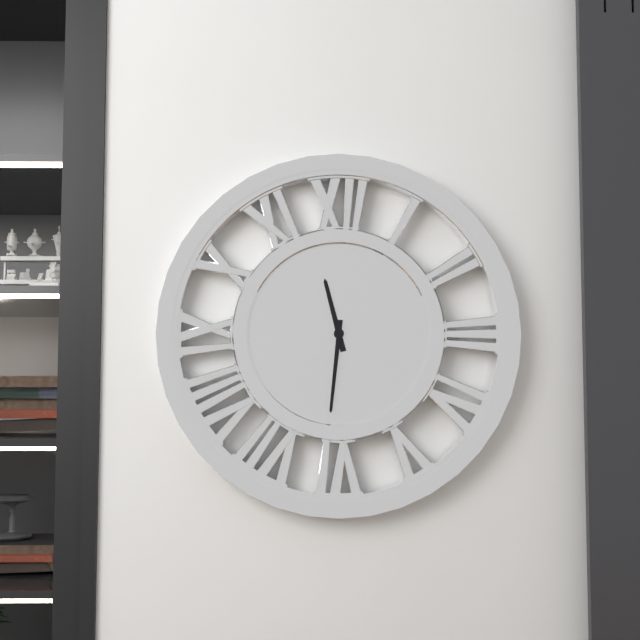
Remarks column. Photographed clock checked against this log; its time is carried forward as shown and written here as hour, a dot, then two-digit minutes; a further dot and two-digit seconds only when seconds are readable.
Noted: 11.31
